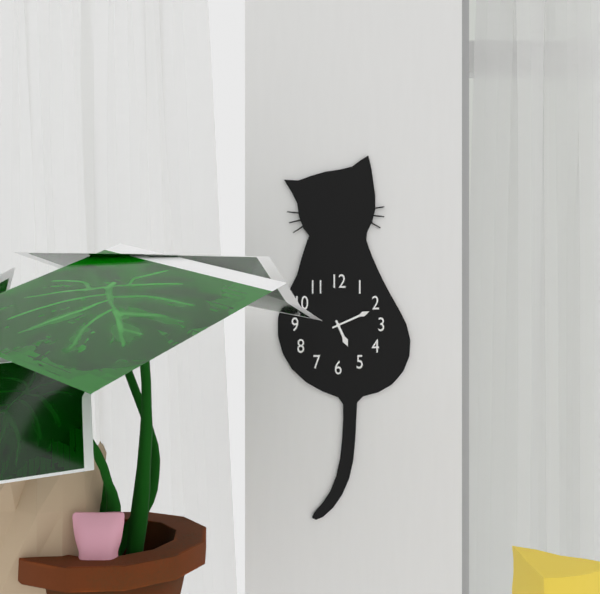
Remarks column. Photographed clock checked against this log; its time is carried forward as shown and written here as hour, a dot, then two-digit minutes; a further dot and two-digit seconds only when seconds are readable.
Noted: 5.11
